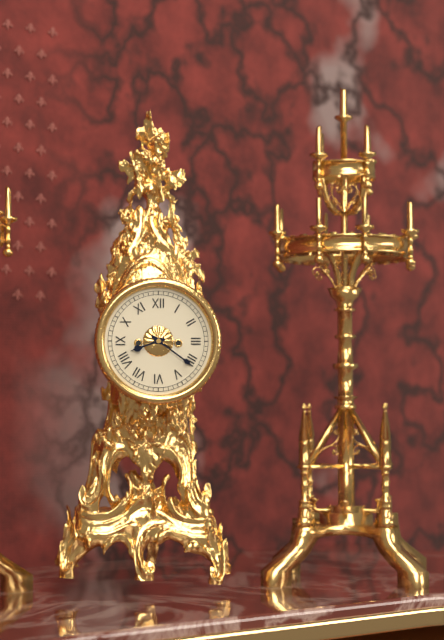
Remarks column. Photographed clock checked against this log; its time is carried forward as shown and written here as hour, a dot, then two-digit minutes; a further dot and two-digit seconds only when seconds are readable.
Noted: 8.21
